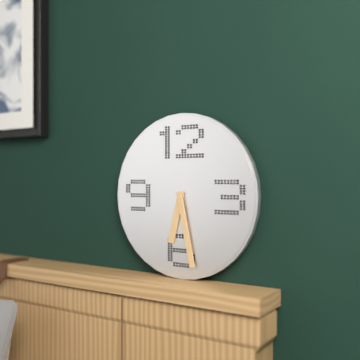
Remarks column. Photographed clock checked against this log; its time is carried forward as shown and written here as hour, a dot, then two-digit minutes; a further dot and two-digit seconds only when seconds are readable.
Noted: 6.28
